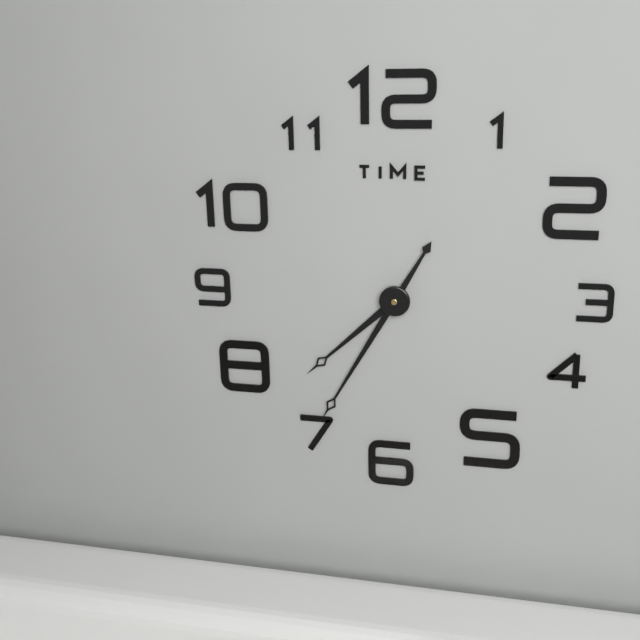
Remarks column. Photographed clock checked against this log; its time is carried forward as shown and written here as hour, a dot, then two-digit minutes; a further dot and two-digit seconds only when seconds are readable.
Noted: 7.35
